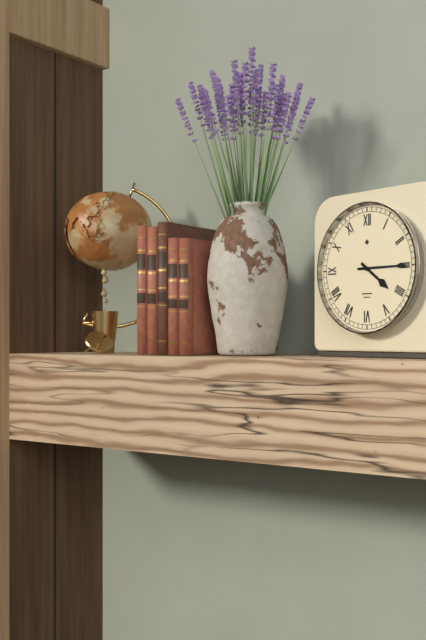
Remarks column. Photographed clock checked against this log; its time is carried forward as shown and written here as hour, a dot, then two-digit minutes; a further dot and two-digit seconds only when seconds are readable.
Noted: 4.15
